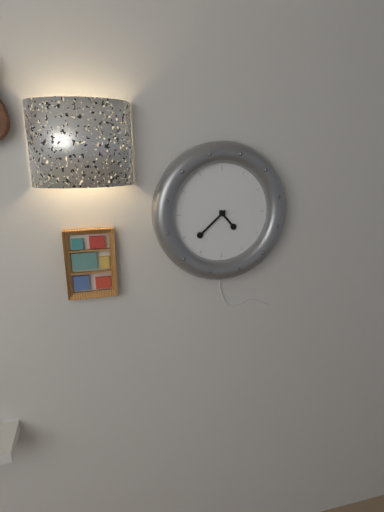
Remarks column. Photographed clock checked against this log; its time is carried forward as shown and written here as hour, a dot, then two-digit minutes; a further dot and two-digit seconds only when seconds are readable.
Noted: 4.38
